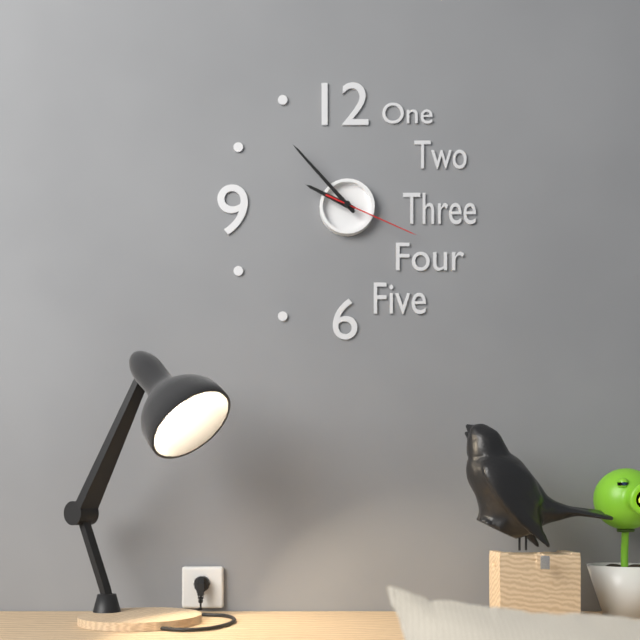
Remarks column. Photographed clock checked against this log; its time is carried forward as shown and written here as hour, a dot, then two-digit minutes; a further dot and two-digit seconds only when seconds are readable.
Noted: 9.53.19
